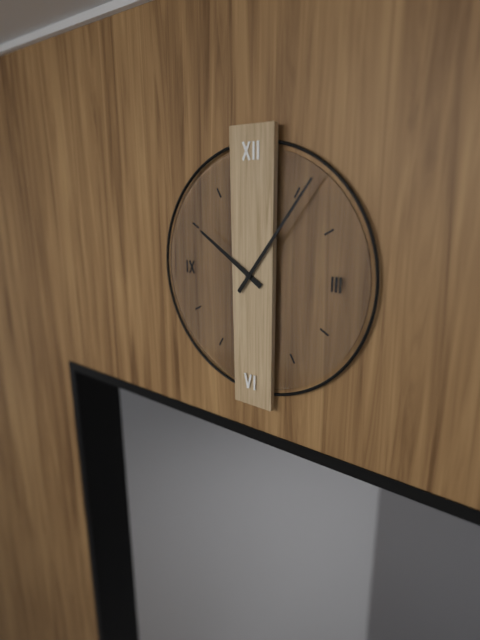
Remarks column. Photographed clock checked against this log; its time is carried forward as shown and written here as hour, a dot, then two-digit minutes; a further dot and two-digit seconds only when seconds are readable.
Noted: 10.06
